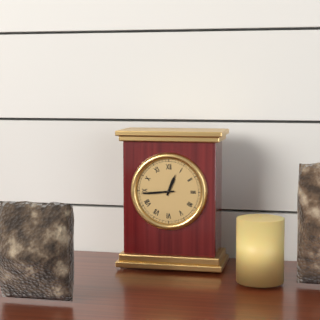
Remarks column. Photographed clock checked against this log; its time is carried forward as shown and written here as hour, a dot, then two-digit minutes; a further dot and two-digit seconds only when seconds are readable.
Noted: 12.44
